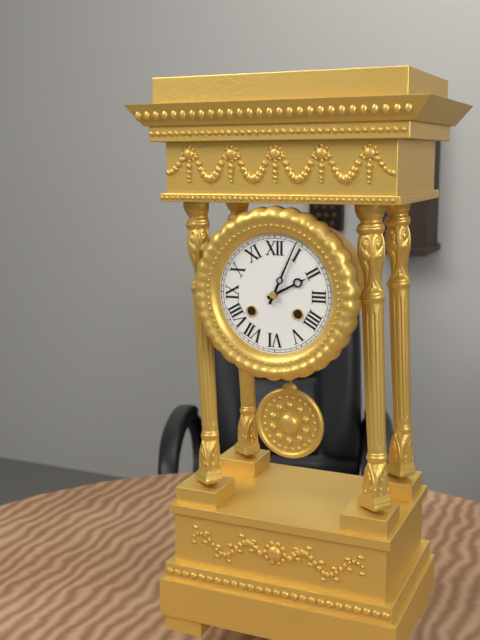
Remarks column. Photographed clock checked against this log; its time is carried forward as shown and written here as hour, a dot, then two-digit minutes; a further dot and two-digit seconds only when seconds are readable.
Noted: 2.04
